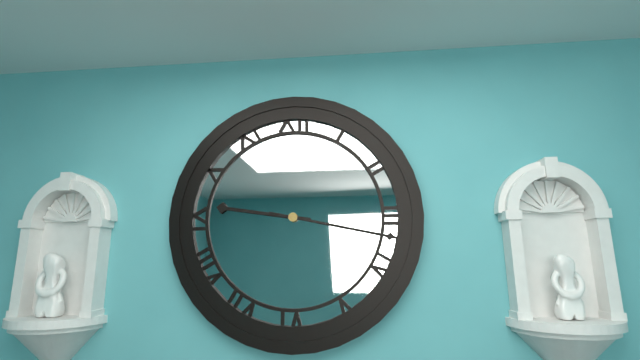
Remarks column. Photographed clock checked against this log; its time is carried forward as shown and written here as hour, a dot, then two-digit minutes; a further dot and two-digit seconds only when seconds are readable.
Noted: 9.17
